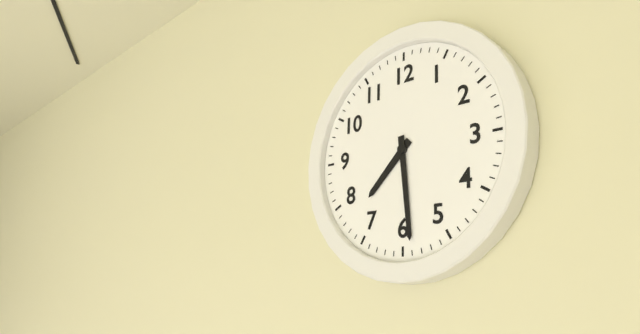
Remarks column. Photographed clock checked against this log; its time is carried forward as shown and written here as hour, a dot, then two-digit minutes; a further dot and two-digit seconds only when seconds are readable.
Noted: 7.29
